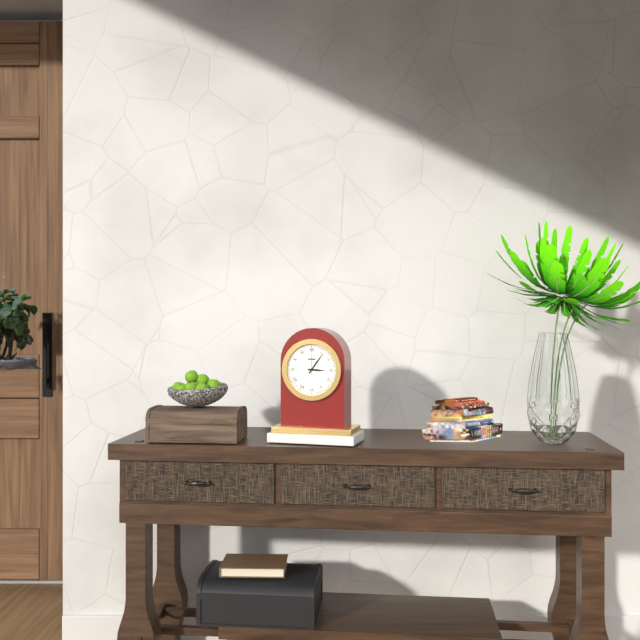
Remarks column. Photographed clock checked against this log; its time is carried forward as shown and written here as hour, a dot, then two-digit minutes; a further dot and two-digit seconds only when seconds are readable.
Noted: 3.06
